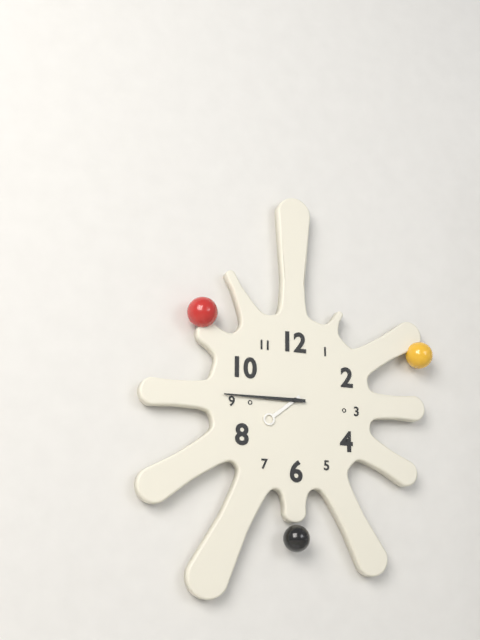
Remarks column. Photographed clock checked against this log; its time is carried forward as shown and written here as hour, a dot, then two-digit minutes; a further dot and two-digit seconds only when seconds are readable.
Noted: 7.45
